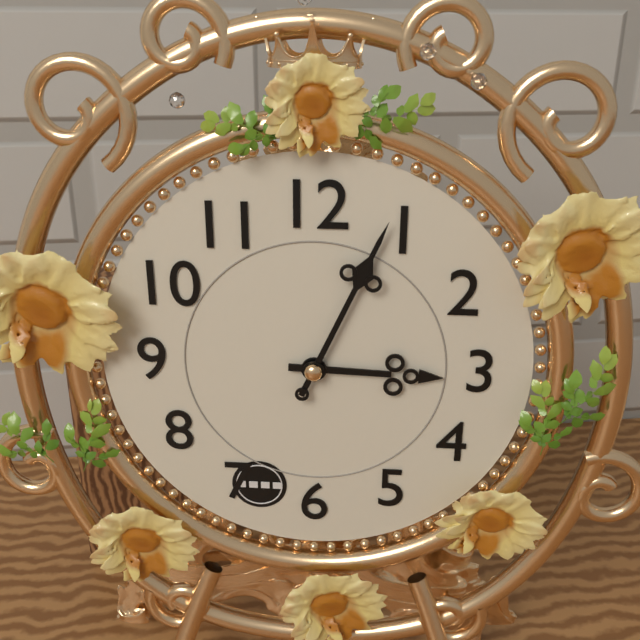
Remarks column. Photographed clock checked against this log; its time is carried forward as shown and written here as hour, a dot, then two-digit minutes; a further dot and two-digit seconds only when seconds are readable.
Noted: 3.04
